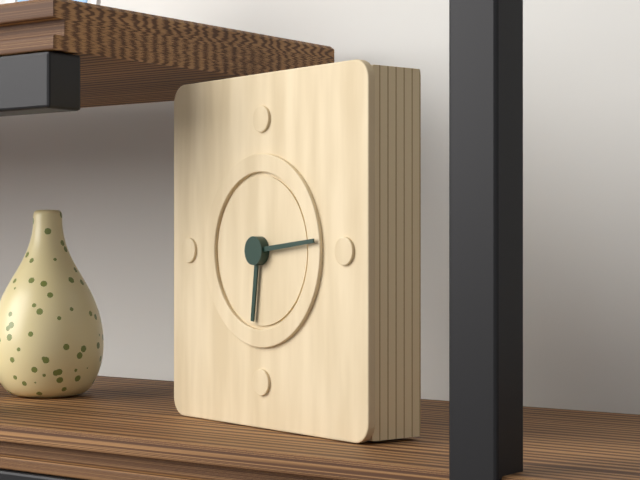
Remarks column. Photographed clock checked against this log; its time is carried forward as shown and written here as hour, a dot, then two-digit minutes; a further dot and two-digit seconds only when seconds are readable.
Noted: 6.14
